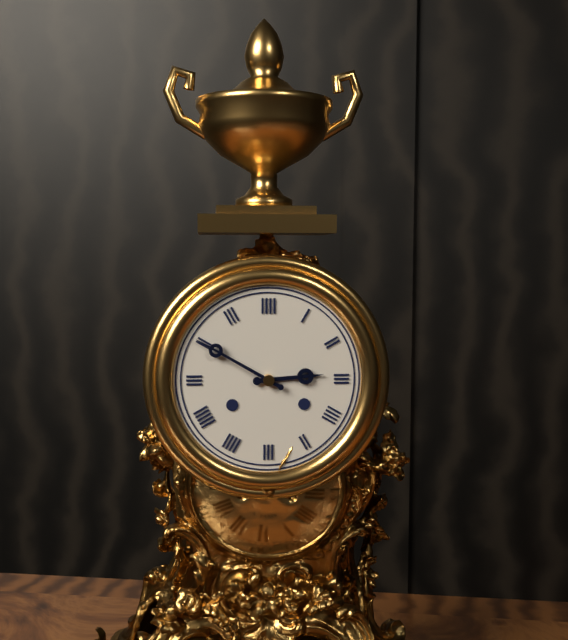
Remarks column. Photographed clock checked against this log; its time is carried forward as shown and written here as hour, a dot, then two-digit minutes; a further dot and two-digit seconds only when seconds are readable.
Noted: 2.50
